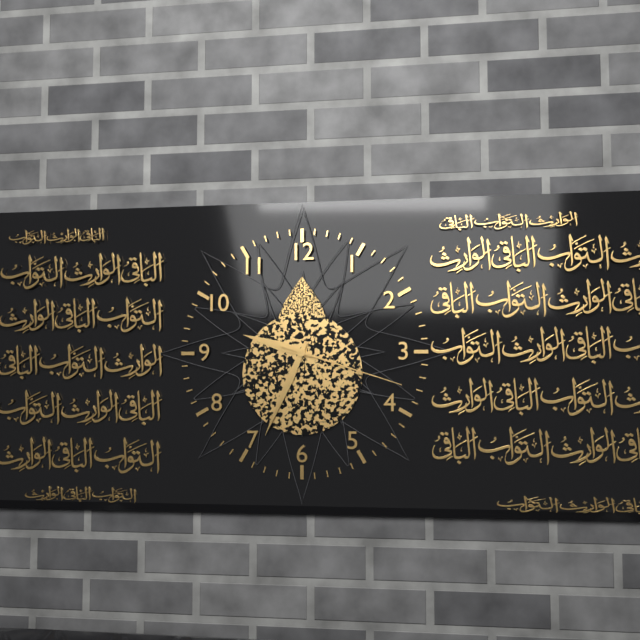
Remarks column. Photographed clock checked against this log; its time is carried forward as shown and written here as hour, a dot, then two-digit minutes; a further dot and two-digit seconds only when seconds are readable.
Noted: 9.34.18
